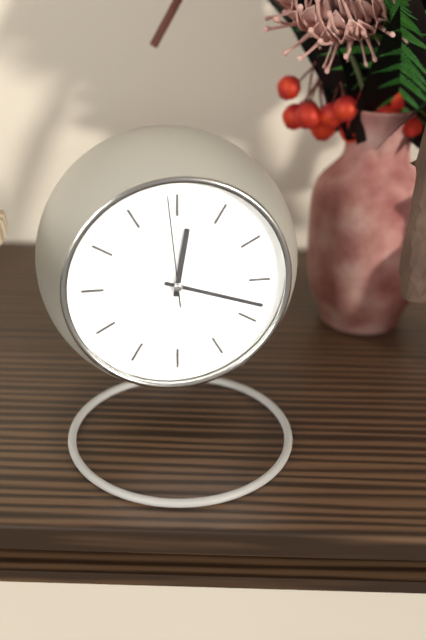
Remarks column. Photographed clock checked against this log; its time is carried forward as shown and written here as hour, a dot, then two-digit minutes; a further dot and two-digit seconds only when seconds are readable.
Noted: 12.18.59
